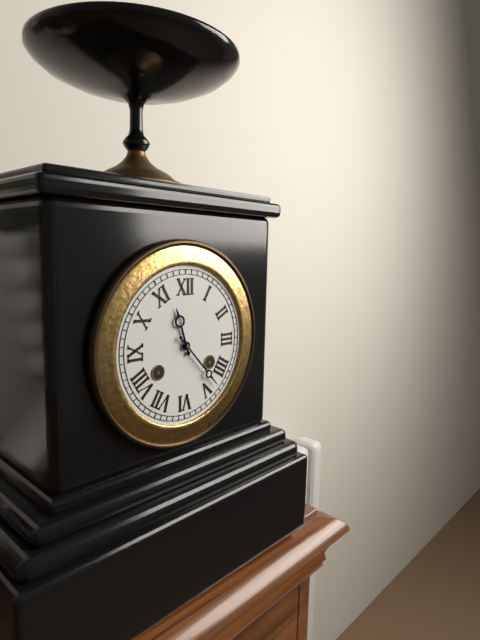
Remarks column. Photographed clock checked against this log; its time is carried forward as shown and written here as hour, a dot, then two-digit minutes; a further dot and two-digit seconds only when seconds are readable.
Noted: 11.23
